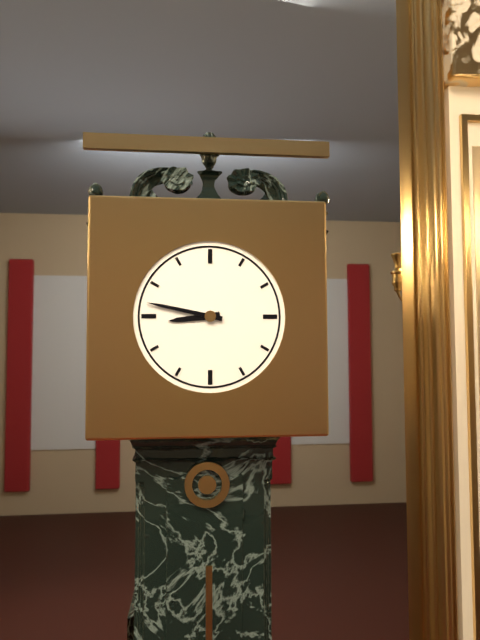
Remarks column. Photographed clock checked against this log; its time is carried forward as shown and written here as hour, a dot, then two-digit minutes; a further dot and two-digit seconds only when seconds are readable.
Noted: 8.47
